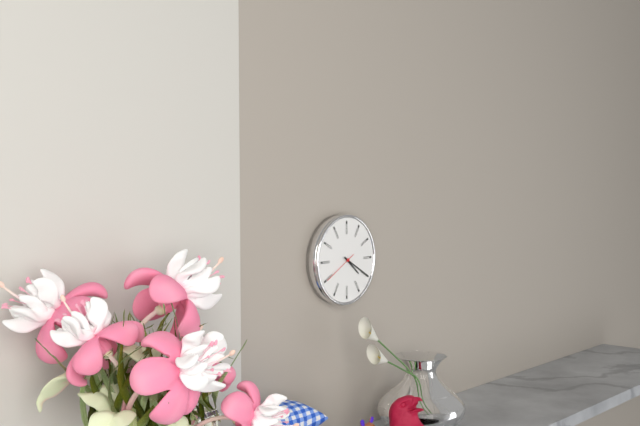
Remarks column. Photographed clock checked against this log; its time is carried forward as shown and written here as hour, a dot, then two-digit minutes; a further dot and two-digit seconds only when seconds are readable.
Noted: 4.20
